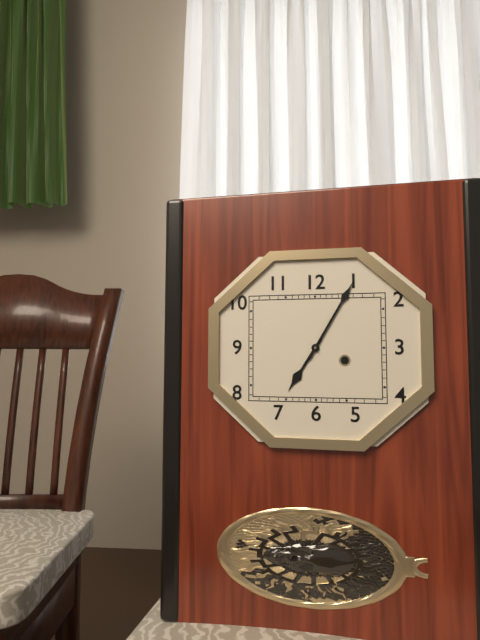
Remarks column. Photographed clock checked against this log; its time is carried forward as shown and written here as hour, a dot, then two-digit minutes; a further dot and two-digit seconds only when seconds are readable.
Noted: 7.05
